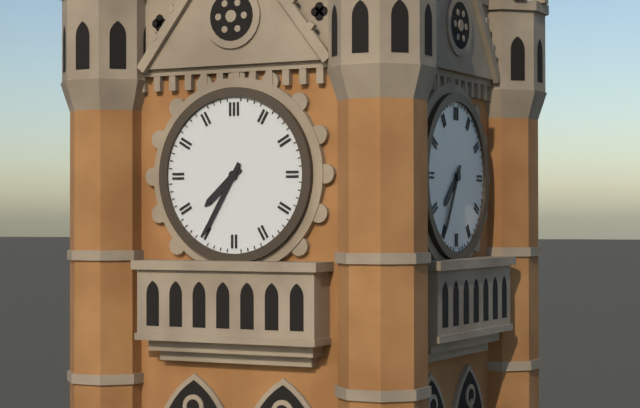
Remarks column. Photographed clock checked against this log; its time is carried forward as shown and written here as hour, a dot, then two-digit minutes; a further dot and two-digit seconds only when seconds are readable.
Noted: 7.35
